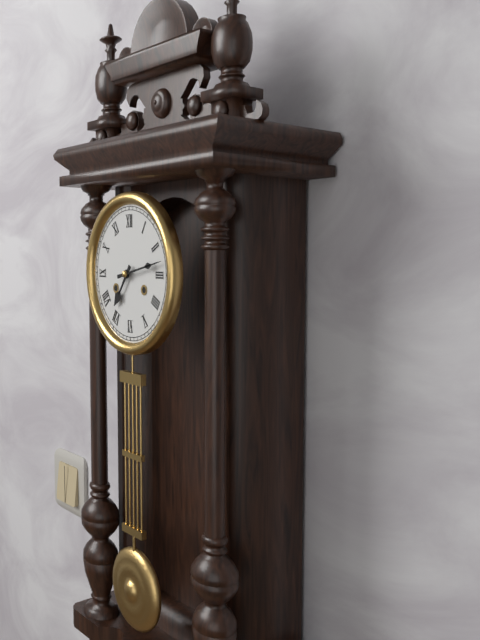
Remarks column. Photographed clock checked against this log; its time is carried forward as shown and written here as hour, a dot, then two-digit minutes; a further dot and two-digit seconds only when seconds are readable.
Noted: 7.13
